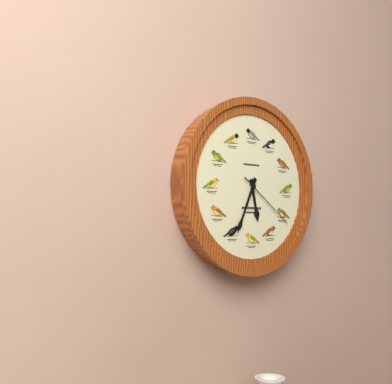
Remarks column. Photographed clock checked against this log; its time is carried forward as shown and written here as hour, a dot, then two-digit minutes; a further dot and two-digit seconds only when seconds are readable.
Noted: 5.34.21
